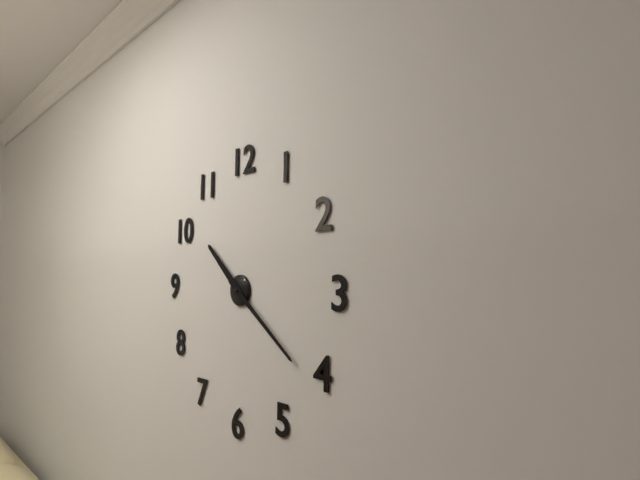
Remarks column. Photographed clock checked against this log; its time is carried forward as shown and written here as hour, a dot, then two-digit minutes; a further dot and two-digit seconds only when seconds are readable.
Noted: 10.21
